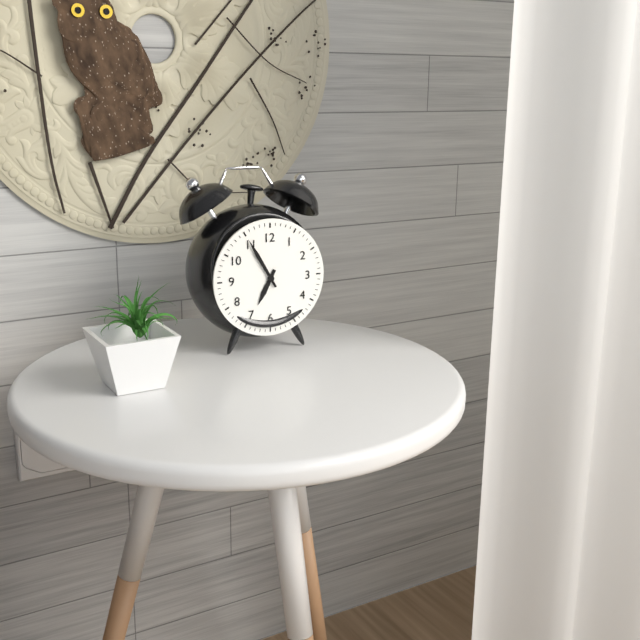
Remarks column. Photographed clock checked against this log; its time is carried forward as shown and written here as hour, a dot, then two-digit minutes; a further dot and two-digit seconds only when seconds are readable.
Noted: 6.55
